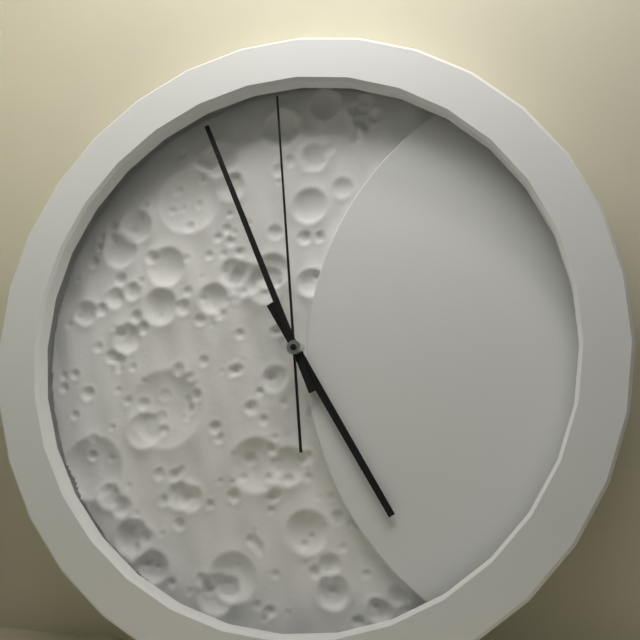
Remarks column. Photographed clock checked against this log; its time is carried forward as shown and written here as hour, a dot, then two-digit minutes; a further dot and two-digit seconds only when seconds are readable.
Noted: 4.56.59
